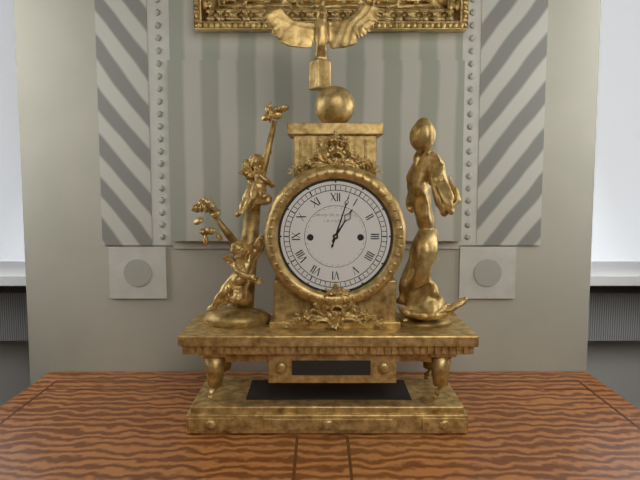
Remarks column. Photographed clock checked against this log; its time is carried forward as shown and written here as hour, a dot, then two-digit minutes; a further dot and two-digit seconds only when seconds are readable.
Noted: 1.03
